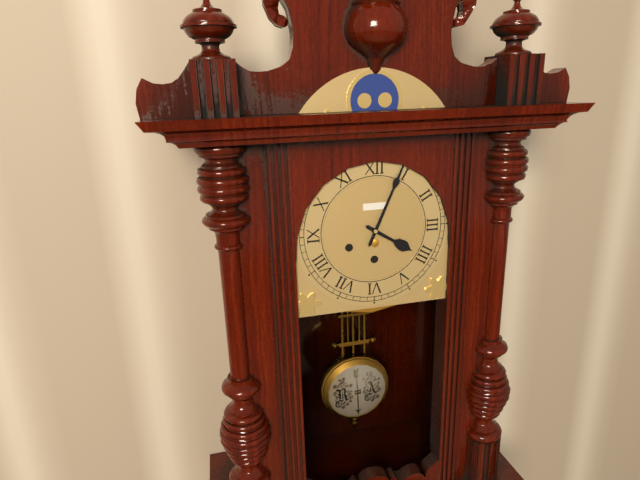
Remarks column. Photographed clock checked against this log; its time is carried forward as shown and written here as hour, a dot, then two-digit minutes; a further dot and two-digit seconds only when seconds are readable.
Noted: 4.04
